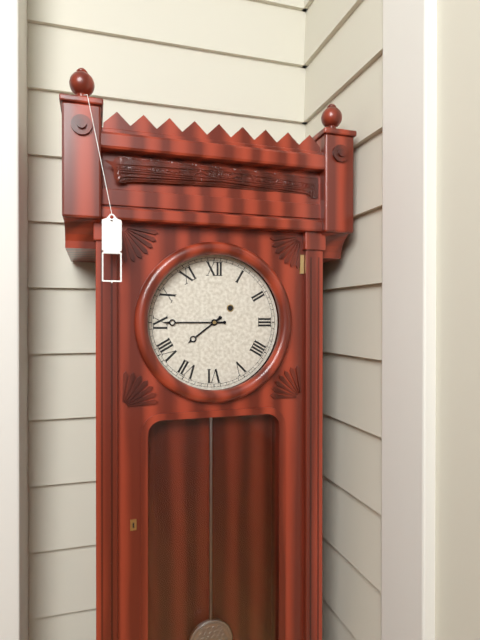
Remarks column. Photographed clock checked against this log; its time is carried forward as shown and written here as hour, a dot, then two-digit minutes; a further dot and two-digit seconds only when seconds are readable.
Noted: 7.45
